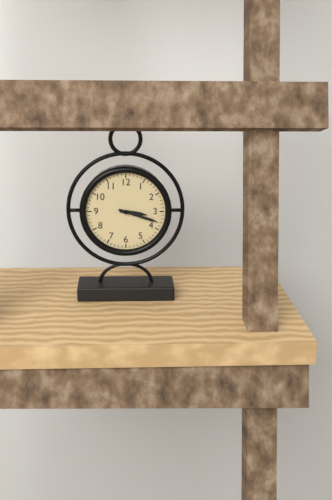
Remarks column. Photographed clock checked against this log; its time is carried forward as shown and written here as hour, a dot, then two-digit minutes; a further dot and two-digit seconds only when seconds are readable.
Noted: 3.18
